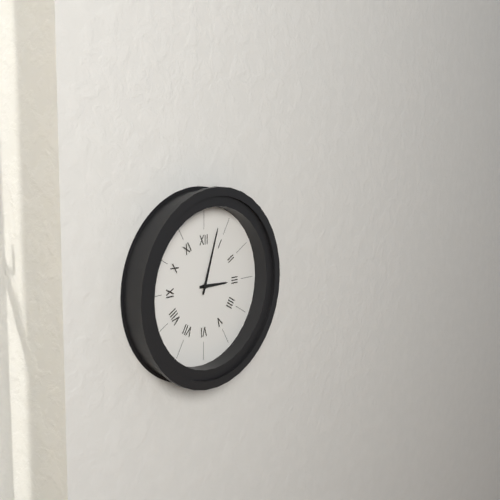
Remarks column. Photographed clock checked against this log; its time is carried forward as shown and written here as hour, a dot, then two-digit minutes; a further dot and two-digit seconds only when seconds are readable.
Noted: 3.03
